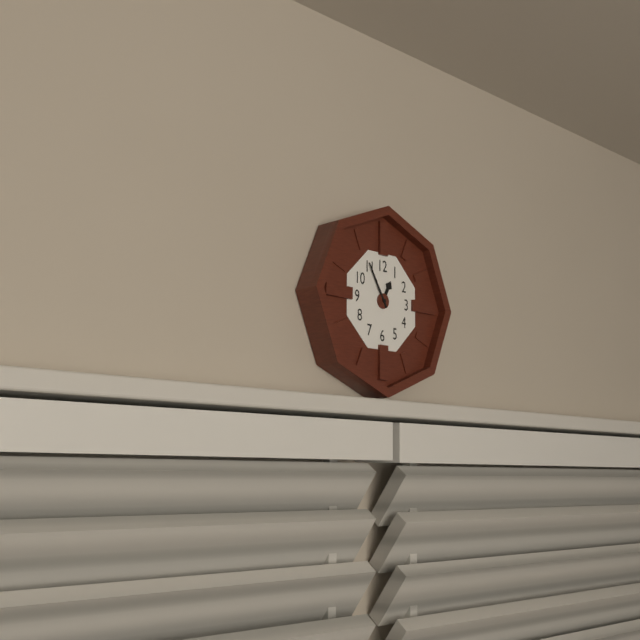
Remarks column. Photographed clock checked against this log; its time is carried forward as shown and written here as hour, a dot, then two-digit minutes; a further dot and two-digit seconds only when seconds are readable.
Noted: 12.55
